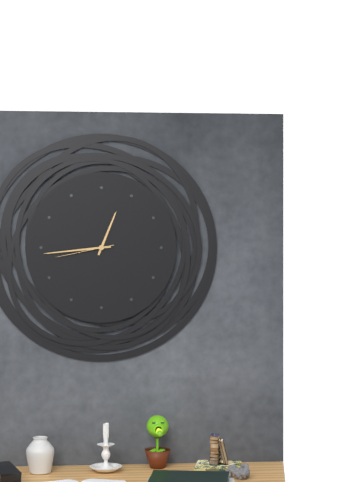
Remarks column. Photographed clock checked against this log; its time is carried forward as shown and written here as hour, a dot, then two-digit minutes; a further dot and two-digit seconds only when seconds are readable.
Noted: 12.44.43
